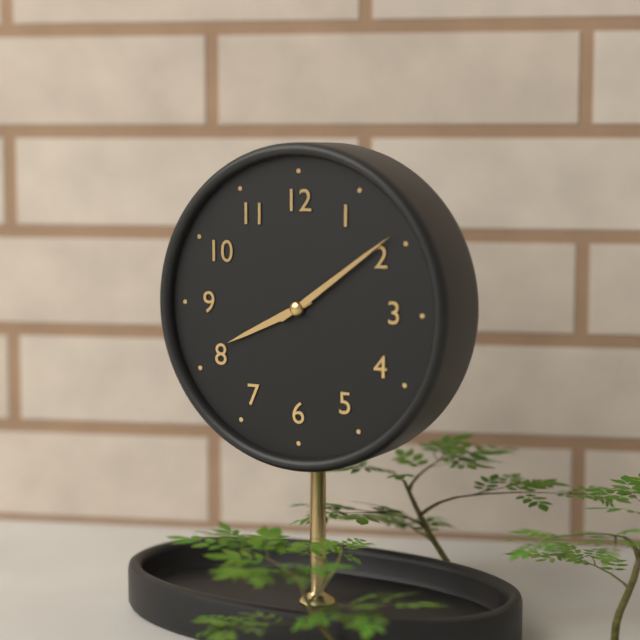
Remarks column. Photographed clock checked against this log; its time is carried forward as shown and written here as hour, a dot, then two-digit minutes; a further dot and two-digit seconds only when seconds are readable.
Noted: 8.09
